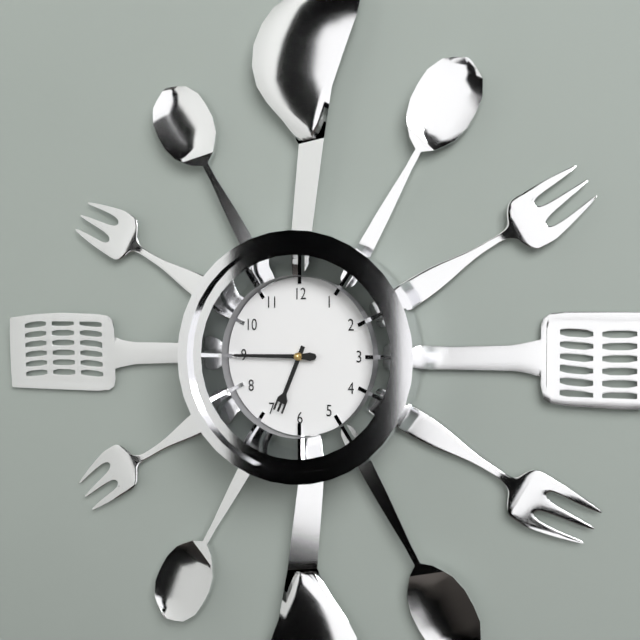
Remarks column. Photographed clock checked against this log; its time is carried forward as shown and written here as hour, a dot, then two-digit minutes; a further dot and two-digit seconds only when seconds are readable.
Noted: 6.45
